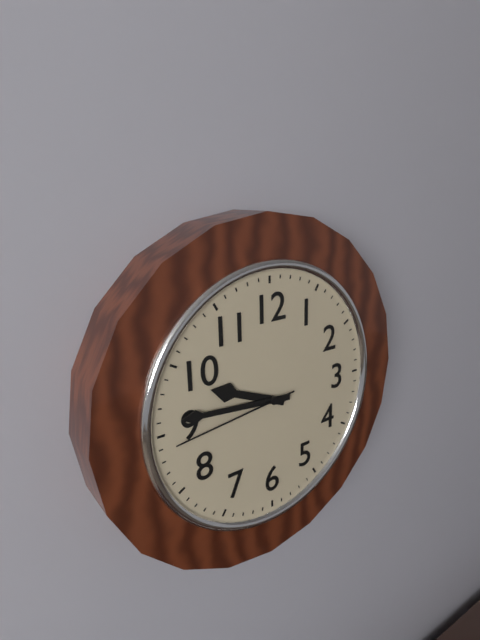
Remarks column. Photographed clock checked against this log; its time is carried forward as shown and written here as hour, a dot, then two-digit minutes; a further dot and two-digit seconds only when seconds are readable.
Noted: 9.46.44
